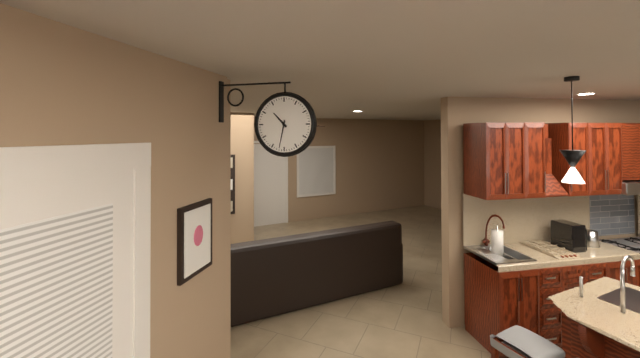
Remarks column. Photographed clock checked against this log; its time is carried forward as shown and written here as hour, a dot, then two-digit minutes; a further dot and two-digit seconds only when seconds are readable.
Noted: 10.32
